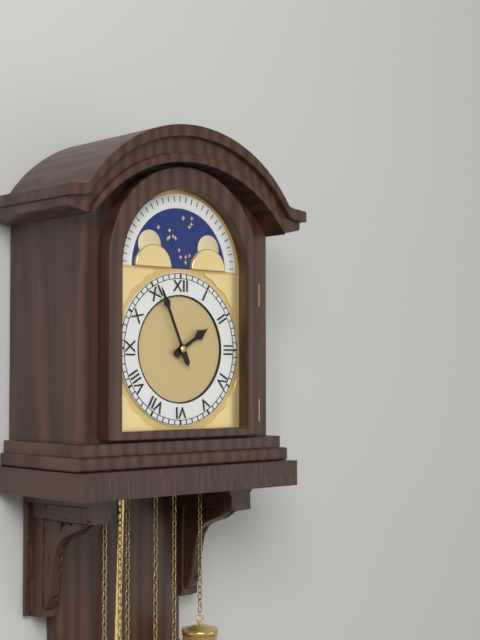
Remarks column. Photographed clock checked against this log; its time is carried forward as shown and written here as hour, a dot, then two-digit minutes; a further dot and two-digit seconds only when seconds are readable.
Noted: 1.56
